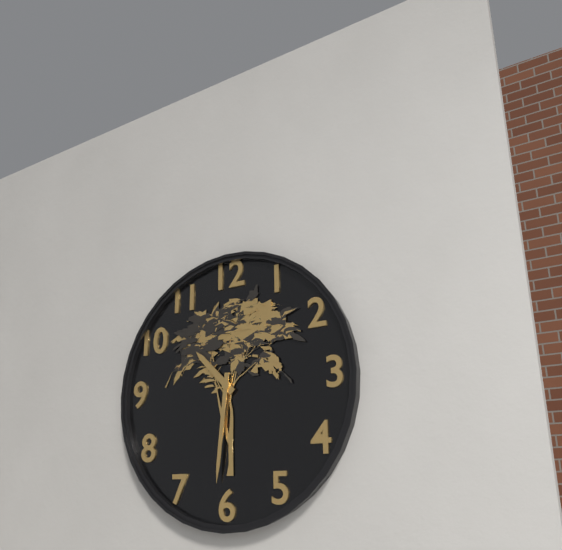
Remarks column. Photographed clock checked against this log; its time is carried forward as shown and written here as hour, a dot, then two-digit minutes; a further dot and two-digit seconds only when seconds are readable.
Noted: 10.31
